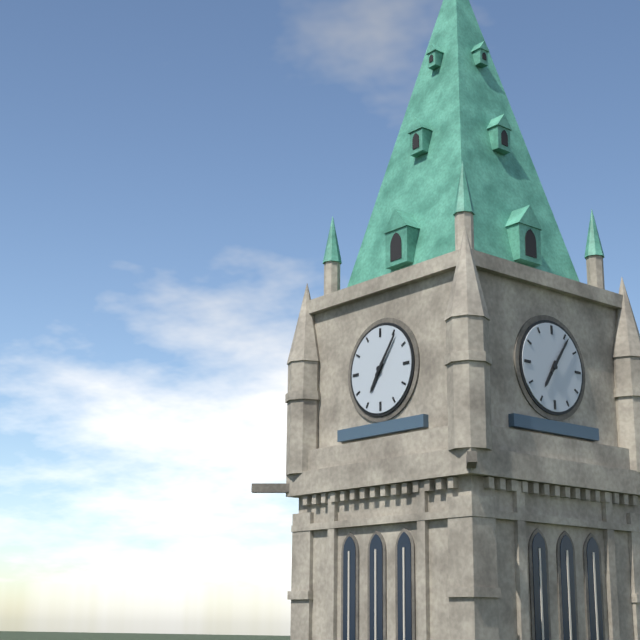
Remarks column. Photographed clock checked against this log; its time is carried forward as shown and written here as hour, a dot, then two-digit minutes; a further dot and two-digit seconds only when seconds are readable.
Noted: 7.06
